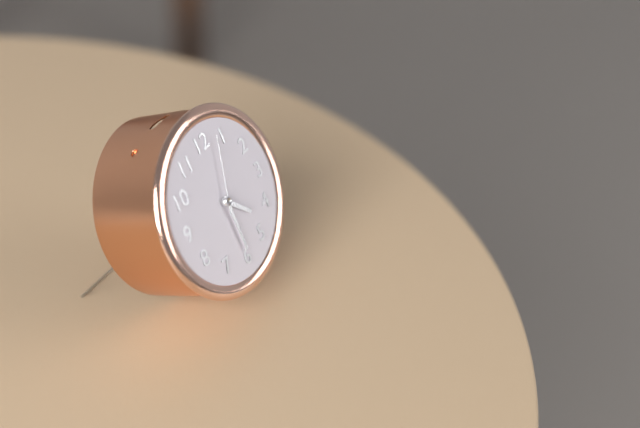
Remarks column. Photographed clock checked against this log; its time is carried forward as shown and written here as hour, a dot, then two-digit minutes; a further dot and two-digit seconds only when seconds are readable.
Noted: 4.30.03
